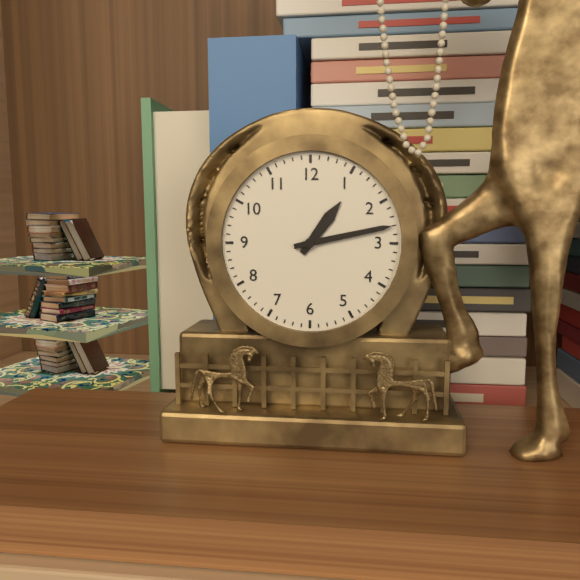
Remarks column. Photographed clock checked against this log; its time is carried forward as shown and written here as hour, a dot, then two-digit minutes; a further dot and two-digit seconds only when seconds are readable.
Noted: 1.13
